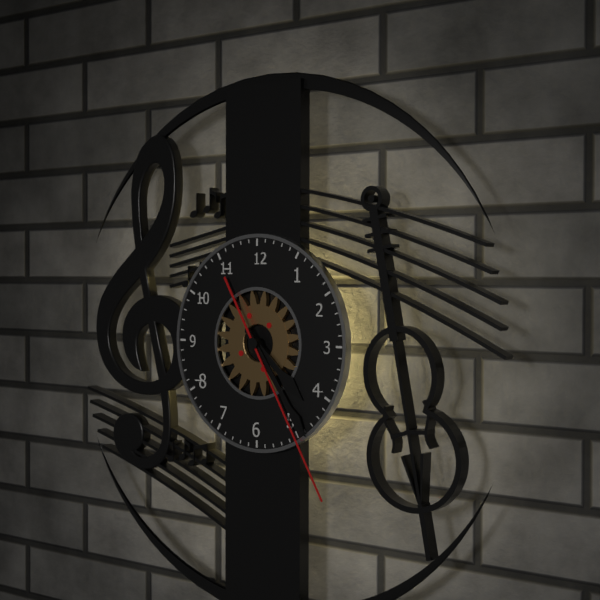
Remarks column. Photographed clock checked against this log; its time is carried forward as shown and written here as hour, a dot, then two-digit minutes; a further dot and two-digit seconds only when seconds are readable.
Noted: 4.24.25
